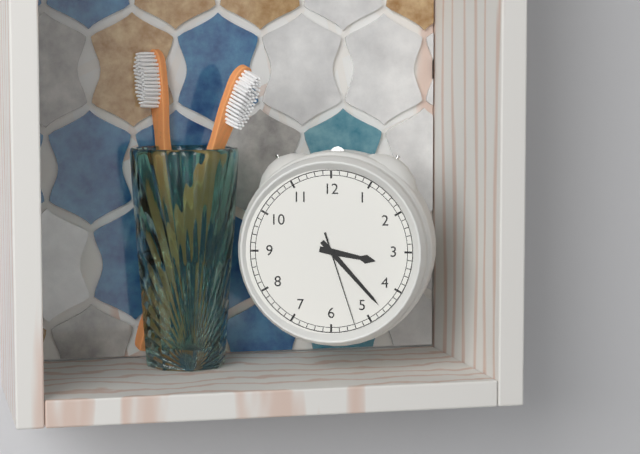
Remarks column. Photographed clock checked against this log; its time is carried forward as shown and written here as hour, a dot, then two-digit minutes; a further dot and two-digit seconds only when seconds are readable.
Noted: 3.23.27
